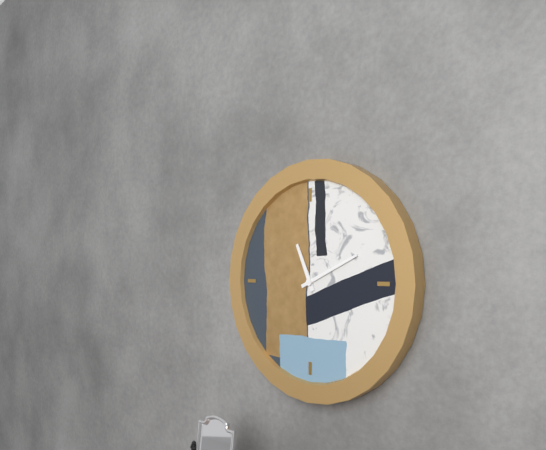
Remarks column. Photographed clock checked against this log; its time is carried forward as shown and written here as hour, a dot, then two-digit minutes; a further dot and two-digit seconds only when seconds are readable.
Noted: 11.11
